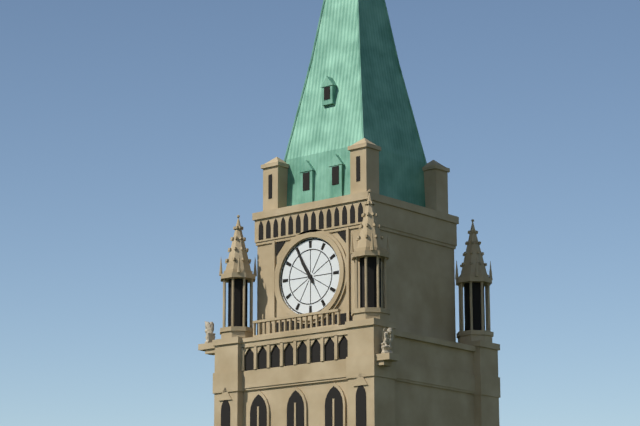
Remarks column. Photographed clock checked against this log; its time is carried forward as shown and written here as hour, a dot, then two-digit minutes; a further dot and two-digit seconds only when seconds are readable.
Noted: 10.55
